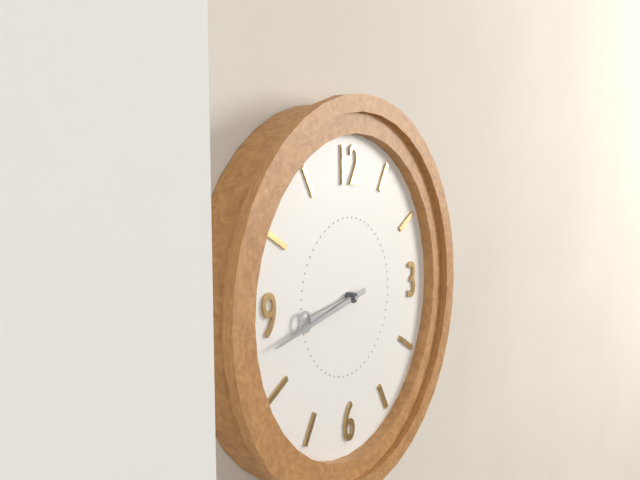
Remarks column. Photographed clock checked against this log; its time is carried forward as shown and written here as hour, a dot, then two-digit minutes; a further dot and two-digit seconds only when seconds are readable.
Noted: 8.43
